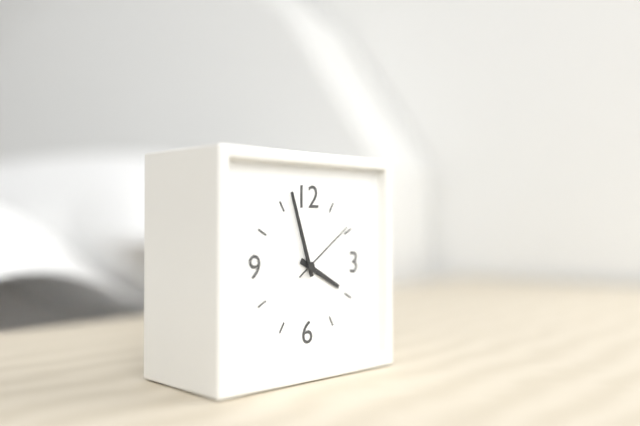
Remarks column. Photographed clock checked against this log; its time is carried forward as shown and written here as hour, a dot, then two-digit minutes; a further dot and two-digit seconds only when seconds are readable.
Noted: 3.57.09
